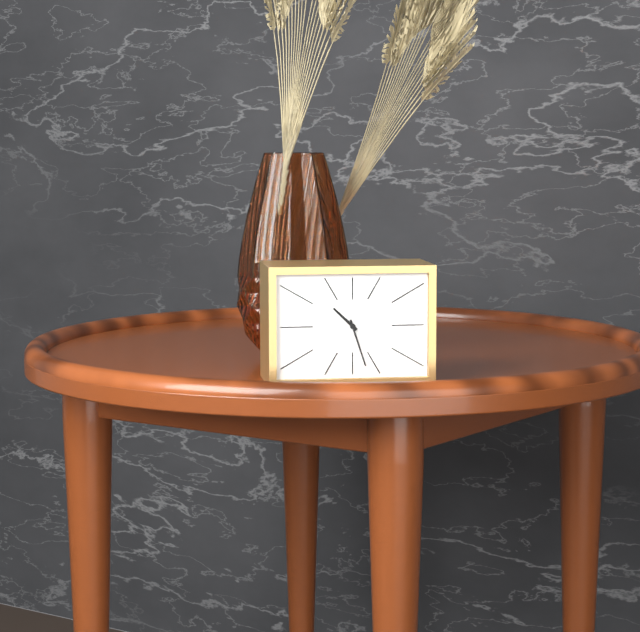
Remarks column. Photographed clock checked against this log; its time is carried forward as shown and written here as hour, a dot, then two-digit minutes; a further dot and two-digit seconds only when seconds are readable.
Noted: 10.27
